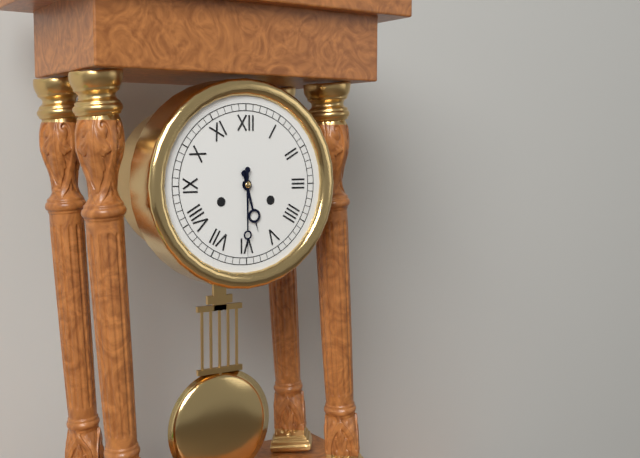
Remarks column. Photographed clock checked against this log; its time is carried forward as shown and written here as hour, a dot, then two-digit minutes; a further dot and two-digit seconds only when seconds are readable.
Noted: 5.30
